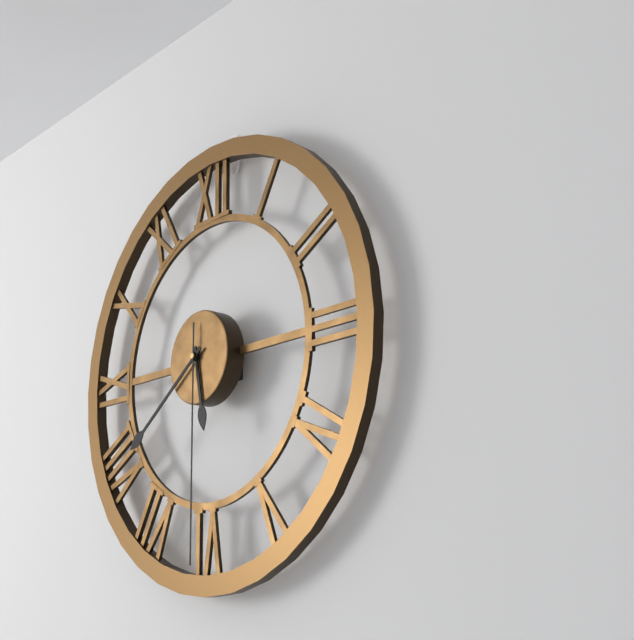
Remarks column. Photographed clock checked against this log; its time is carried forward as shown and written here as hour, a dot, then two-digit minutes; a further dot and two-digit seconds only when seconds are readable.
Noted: 5.39.30
